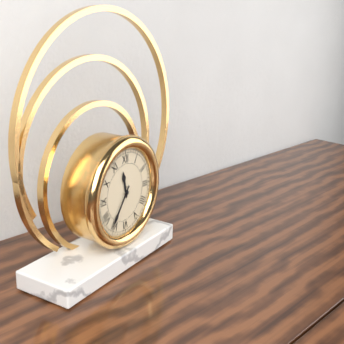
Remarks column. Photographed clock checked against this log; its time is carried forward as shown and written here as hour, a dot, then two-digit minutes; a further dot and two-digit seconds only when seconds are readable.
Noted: 11.36
